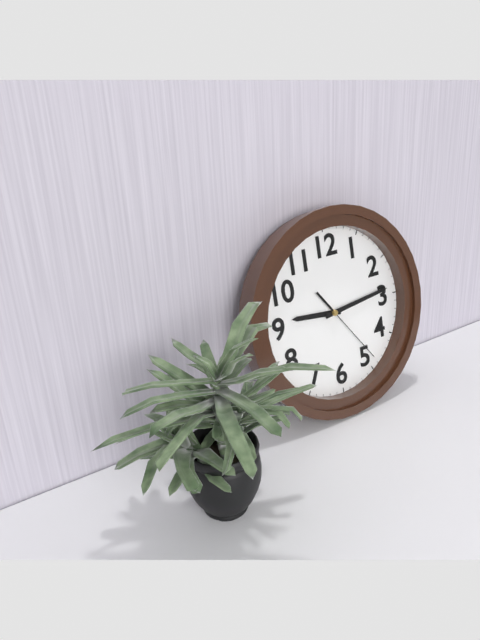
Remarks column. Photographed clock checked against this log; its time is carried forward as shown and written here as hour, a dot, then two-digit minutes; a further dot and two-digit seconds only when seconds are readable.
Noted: 9.14.24
